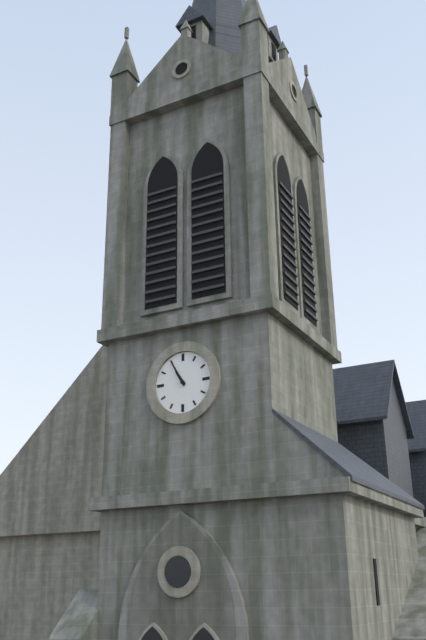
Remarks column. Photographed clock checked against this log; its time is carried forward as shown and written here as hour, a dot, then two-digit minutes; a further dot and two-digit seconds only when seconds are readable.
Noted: 10.55
